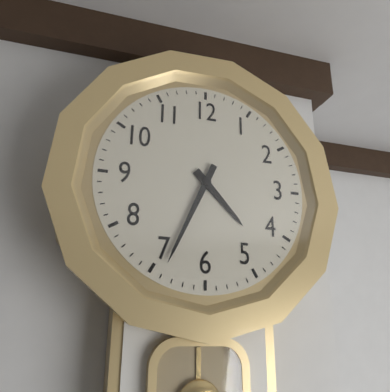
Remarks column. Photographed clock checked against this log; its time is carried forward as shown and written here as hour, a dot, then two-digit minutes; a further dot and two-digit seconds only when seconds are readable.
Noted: 4.34
